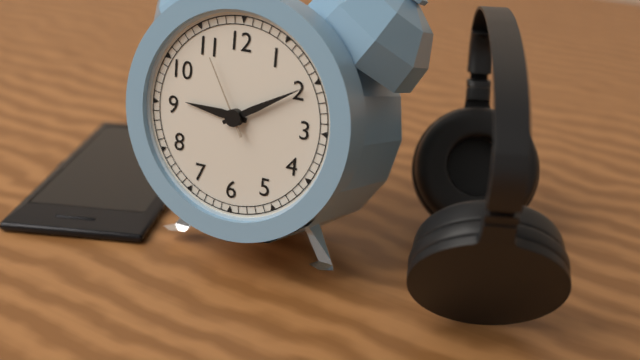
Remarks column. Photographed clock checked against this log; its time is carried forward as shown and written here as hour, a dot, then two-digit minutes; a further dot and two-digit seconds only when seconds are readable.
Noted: 9.10.55
